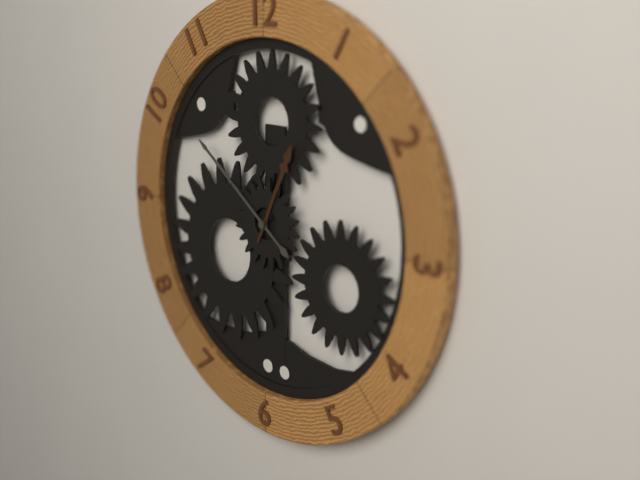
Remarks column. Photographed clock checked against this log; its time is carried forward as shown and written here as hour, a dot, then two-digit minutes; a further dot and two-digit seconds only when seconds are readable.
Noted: 12.51
